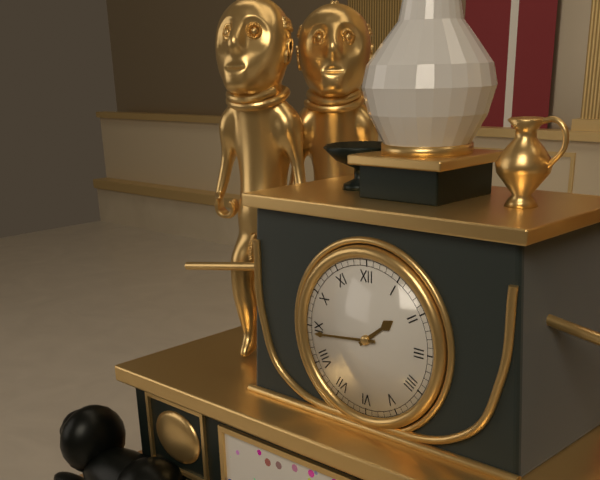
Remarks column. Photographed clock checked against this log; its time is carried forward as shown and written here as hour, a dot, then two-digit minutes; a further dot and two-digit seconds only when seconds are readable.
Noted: 1.44
